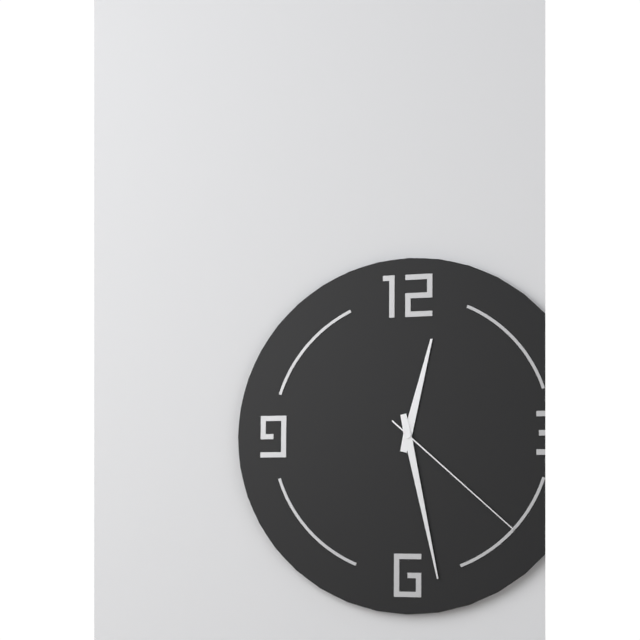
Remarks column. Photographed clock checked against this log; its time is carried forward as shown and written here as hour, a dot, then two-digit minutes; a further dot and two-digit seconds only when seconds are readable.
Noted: 12.28.22
